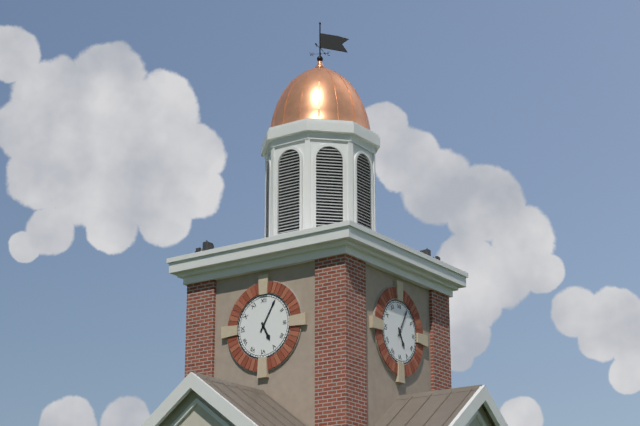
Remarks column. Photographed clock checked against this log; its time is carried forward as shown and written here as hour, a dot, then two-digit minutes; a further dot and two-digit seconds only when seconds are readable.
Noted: 5.05
